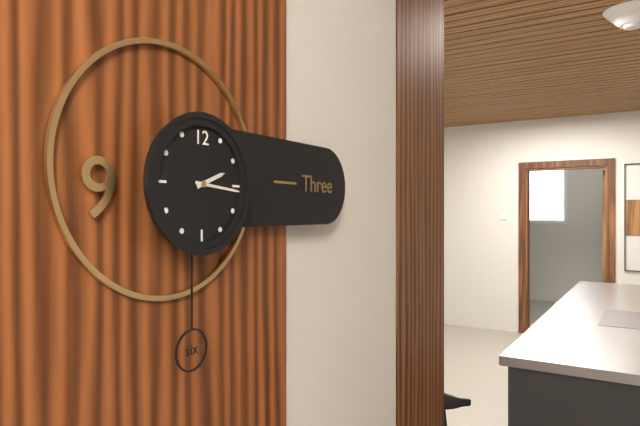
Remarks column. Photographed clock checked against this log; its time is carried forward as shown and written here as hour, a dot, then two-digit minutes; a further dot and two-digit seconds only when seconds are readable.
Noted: 2.16
